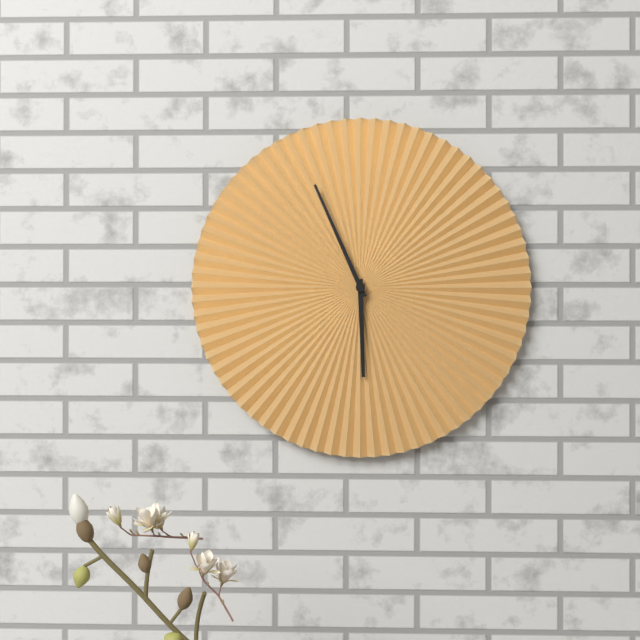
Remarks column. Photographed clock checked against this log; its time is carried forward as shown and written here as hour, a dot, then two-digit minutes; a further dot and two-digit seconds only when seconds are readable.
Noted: 5.56
